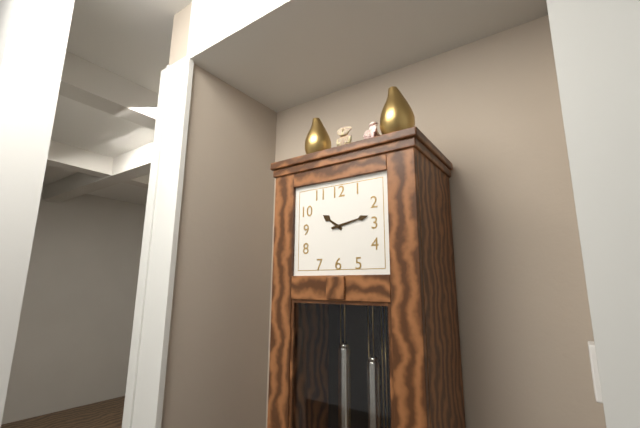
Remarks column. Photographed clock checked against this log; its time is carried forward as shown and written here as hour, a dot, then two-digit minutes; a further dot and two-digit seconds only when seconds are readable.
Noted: 10.13
